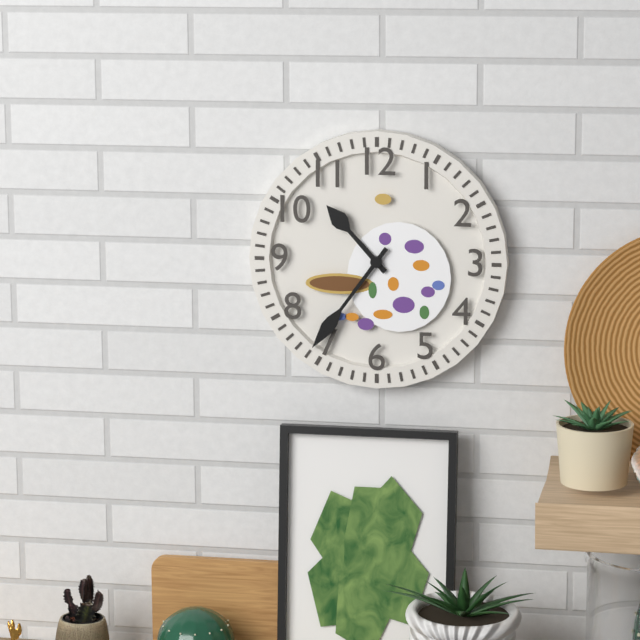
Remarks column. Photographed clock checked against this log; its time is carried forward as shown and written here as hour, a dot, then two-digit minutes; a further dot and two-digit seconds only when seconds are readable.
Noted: 10.36
